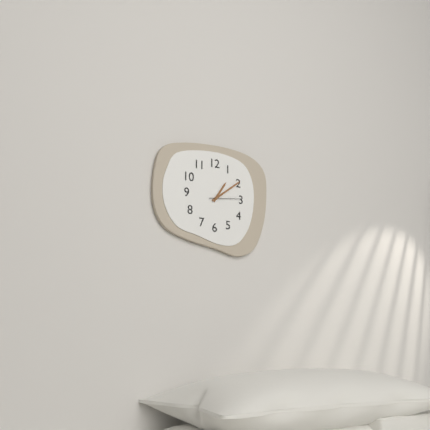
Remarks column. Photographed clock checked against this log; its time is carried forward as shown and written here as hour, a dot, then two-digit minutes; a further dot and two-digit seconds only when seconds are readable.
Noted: 1.09
